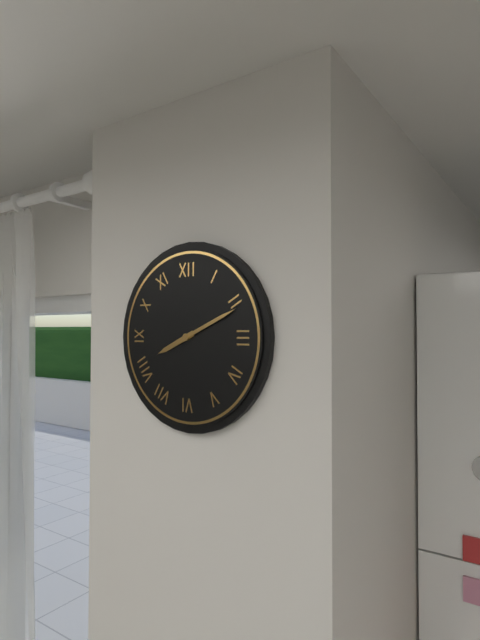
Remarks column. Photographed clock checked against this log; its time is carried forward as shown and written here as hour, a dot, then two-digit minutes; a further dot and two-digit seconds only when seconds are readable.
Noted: 8.11
